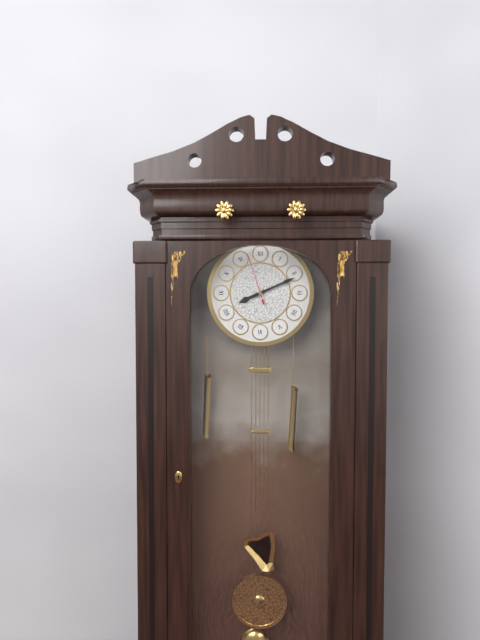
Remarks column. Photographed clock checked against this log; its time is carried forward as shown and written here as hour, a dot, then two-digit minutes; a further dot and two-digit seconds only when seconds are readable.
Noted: 8.11.57
